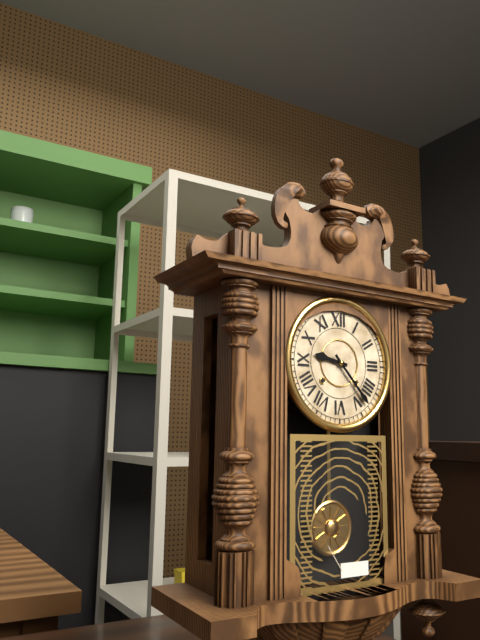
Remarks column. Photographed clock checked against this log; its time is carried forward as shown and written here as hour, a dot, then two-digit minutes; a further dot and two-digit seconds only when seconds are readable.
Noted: 9.23
